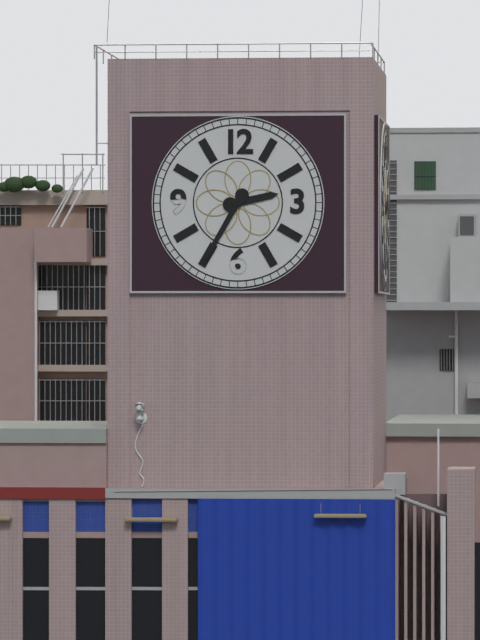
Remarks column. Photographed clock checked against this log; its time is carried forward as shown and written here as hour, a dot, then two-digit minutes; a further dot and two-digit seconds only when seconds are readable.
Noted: 2.35
